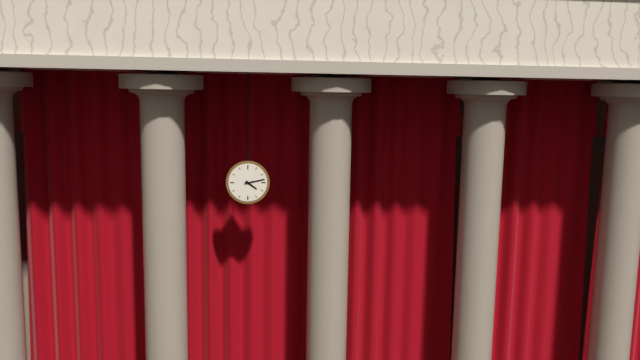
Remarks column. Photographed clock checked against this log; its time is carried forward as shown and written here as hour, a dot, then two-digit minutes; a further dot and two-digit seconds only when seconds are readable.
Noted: 4.13
